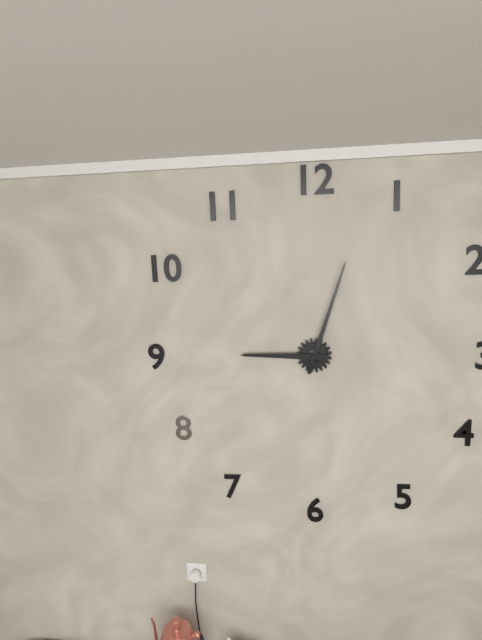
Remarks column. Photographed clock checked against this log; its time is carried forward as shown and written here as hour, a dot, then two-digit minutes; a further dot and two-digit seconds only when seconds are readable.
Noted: 9.03
